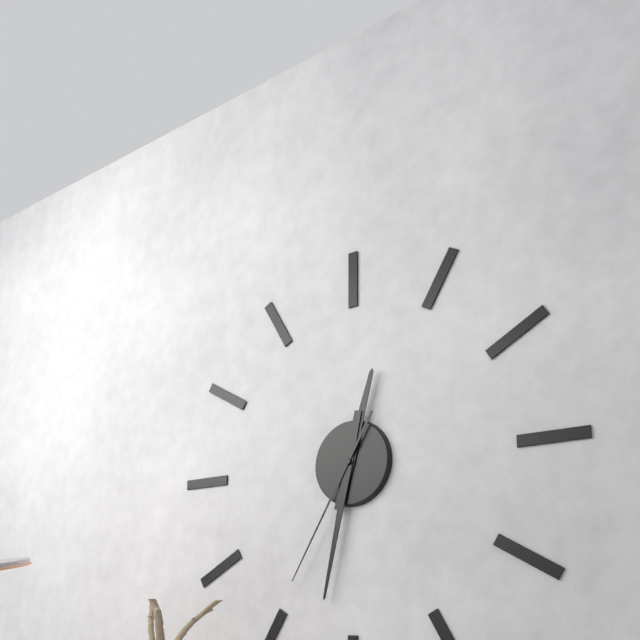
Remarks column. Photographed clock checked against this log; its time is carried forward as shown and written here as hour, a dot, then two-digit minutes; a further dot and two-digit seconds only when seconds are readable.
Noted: 12.32.35
